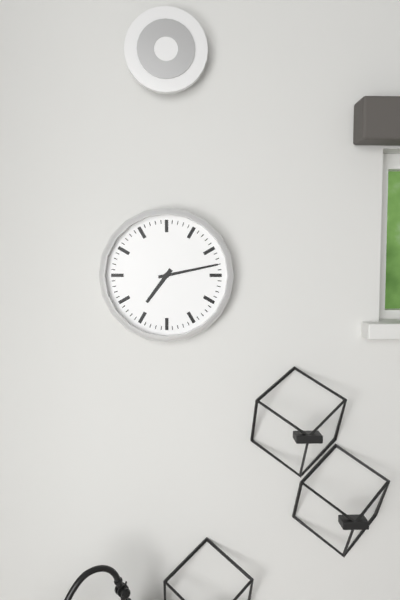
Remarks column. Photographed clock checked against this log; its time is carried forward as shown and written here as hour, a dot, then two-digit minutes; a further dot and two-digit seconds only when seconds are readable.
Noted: 7.13
